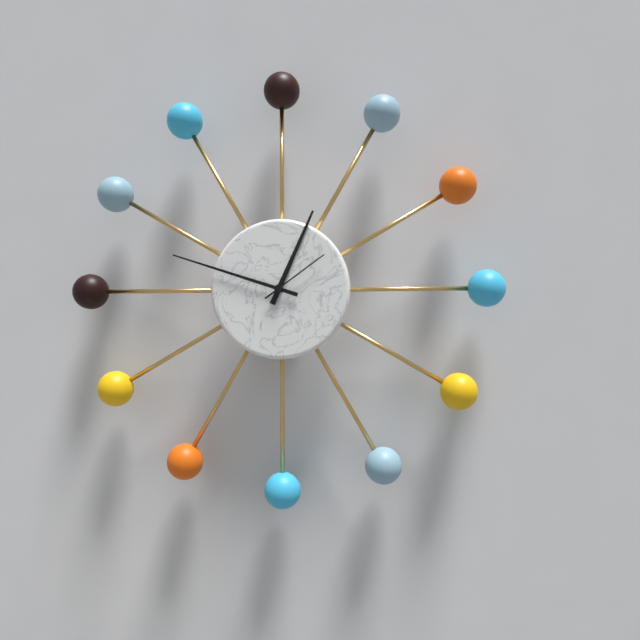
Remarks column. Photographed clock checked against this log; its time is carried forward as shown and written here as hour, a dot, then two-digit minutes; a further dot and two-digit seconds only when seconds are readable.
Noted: 12.48.09
